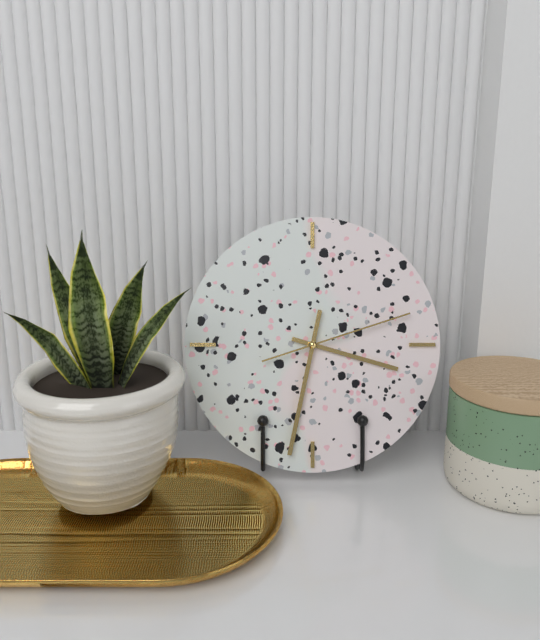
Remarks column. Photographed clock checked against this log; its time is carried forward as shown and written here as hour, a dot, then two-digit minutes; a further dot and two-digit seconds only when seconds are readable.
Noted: 3.32.12
